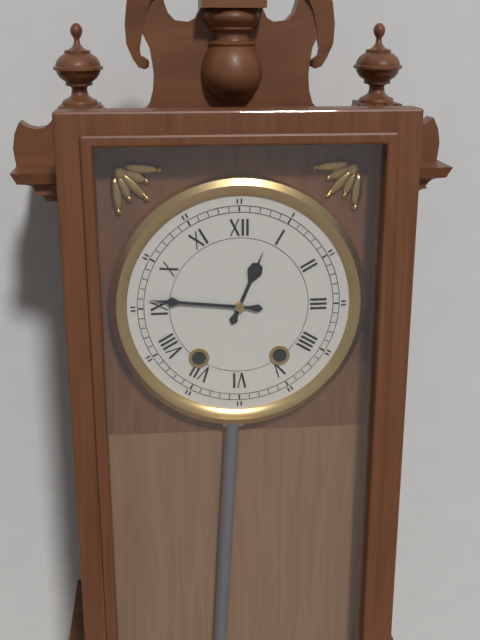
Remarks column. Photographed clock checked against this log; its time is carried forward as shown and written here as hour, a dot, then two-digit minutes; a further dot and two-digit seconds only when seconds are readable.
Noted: 12.46
